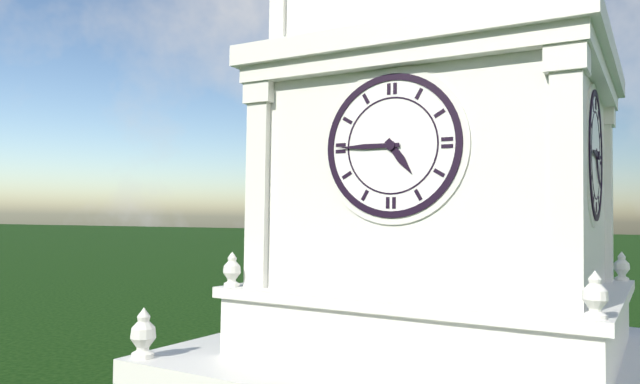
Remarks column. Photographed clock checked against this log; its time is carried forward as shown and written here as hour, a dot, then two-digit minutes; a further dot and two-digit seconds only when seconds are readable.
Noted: 4.45
